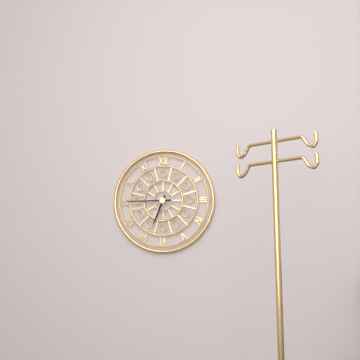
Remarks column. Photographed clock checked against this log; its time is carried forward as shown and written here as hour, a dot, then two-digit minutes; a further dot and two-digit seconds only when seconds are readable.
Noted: 6.45
